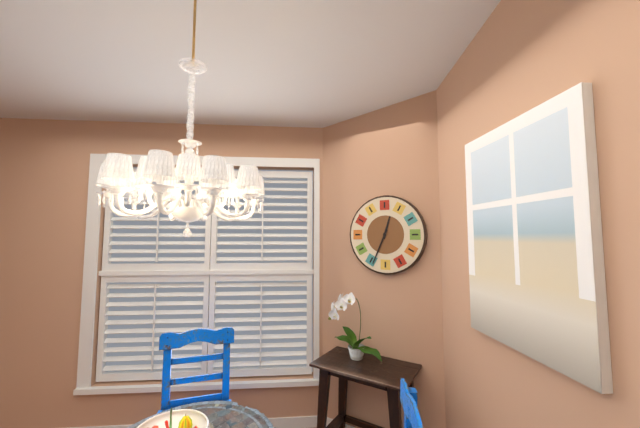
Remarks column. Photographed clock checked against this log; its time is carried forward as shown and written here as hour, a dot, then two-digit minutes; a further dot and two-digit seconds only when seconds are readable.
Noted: 12.34
